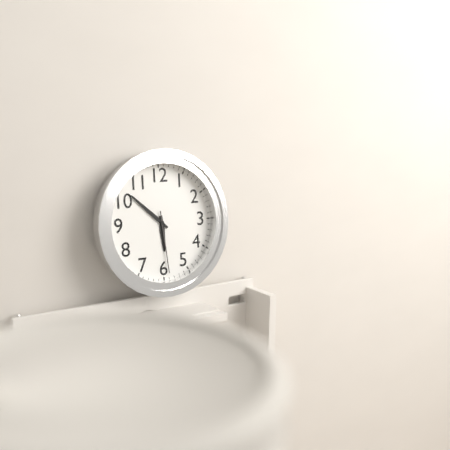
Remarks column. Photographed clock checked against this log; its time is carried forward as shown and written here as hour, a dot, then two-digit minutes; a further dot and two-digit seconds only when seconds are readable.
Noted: 5.52.29
